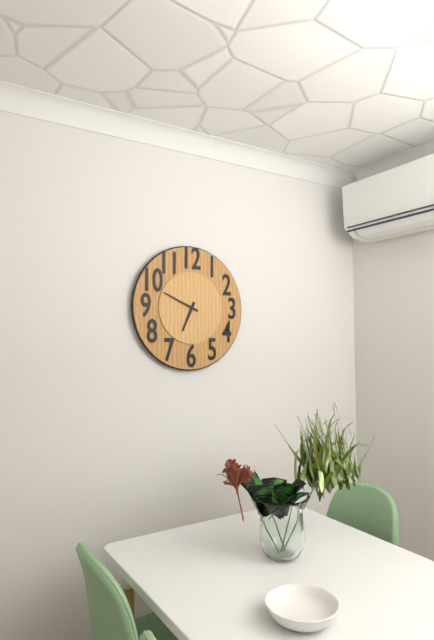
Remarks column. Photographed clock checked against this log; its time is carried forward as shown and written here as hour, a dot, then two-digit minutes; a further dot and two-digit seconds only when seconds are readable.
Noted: 6.49
